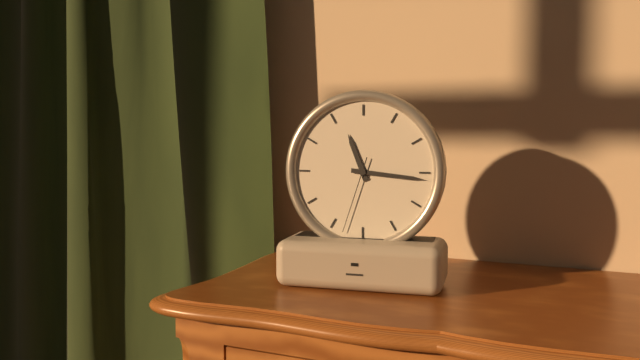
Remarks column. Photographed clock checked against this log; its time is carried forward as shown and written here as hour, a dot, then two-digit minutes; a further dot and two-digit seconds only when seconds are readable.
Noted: 11.16.33
